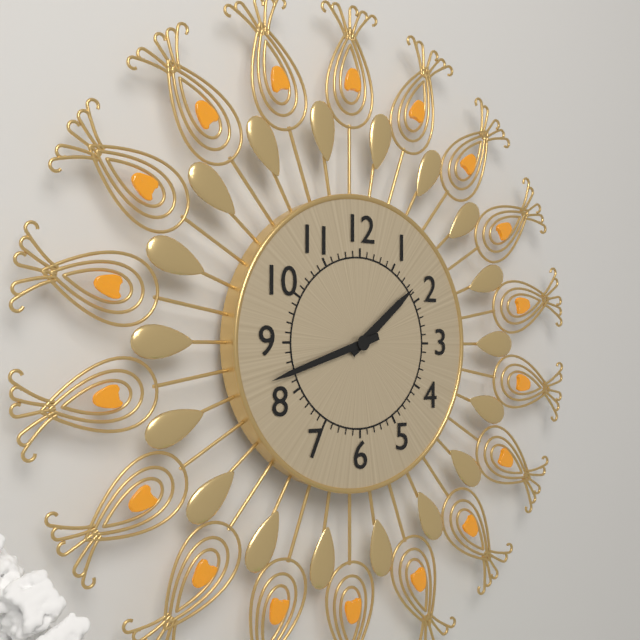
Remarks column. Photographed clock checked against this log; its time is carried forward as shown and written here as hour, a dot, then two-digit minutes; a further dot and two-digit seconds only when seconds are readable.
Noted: 1.42
